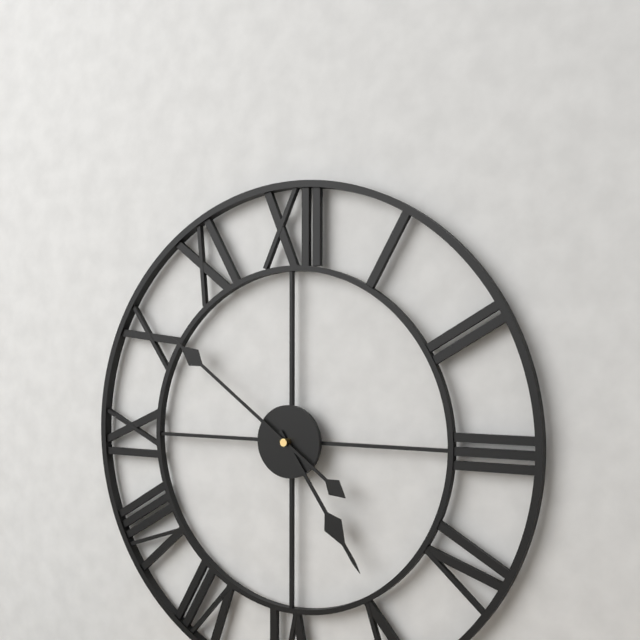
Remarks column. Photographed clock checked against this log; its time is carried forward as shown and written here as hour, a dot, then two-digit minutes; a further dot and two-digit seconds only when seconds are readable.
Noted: 4.51
